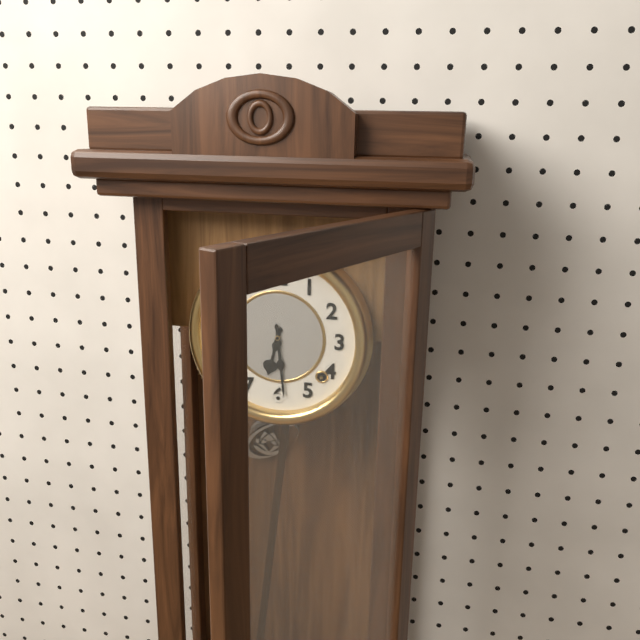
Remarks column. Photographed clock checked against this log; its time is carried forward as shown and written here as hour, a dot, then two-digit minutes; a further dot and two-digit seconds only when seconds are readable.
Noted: 6.29
